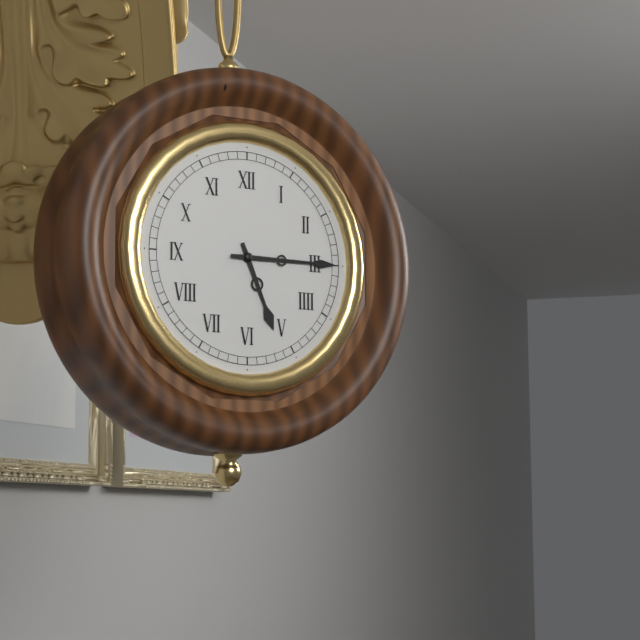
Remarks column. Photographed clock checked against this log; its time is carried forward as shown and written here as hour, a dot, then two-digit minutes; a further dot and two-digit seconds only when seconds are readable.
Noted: 5.15
